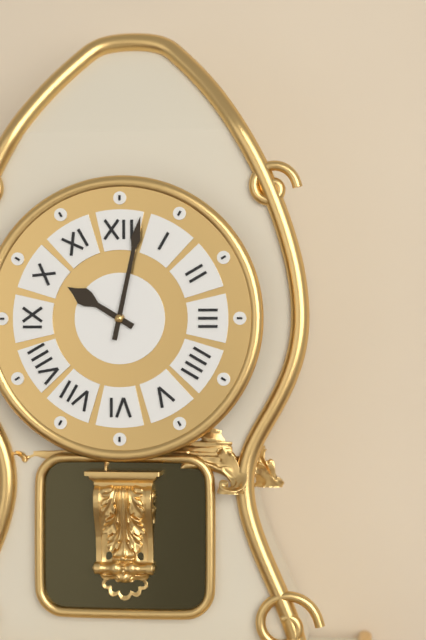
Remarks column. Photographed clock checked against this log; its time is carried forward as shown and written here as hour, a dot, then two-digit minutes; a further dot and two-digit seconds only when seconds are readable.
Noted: 10.02
